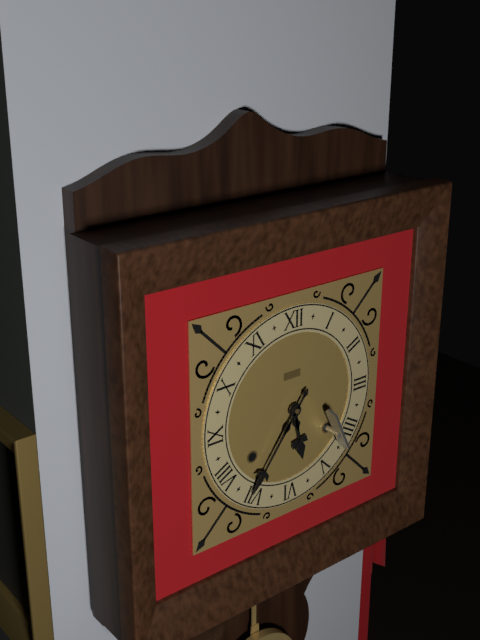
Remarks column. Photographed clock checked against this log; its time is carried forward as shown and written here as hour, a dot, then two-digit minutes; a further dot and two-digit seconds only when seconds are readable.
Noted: 5.36
